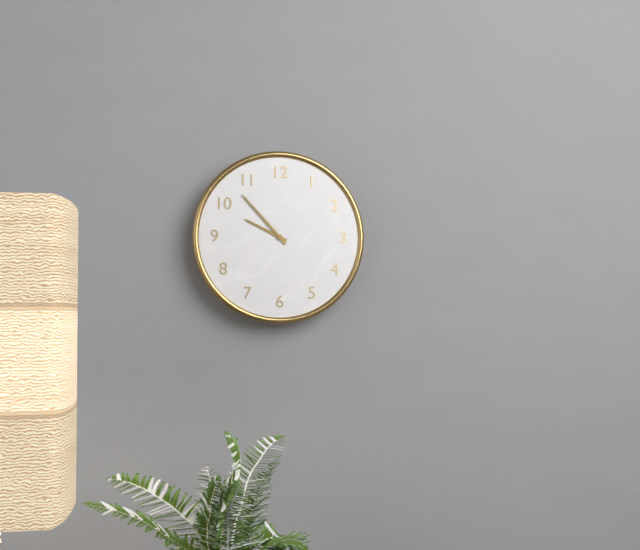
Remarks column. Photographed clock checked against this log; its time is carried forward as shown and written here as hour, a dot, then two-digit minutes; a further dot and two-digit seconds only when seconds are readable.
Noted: 9.53
